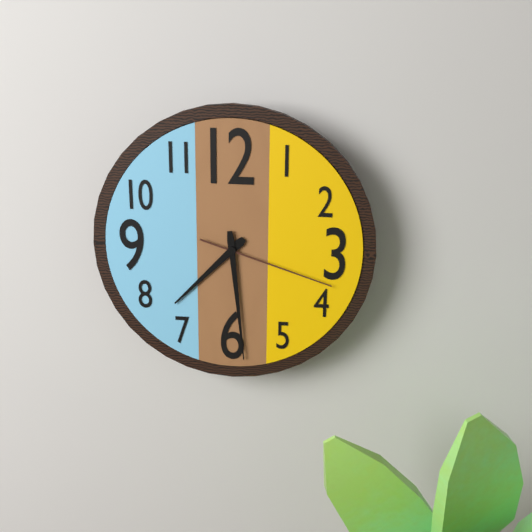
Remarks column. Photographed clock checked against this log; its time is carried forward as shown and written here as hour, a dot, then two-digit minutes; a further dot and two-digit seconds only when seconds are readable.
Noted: 7.29.18
